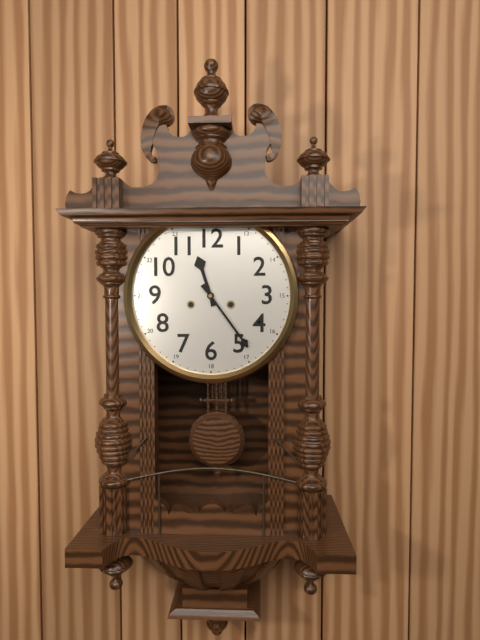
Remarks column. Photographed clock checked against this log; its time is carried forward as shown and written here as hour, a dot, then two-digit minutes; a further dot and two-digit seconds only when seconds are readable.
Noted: 11.24
